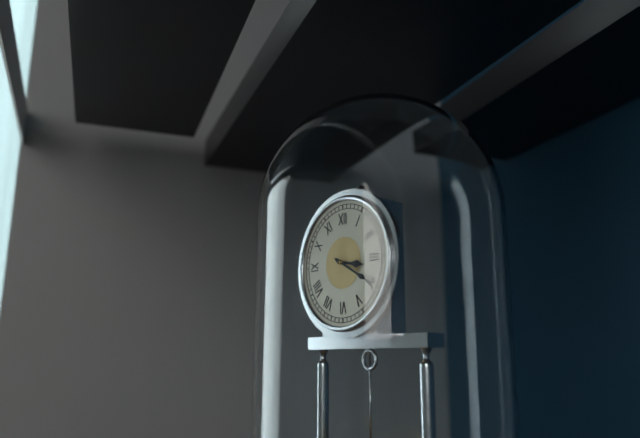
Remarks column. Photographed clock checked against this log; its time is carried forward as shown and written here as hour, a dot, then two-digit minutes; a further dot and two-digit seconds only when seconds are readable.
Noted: 3.20
